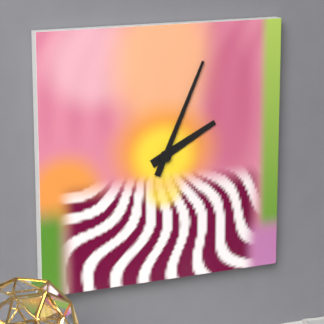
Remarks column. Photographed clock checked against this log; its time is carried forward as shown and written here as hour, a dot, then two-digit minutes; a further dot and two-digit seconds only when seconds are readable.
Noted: 2.04
